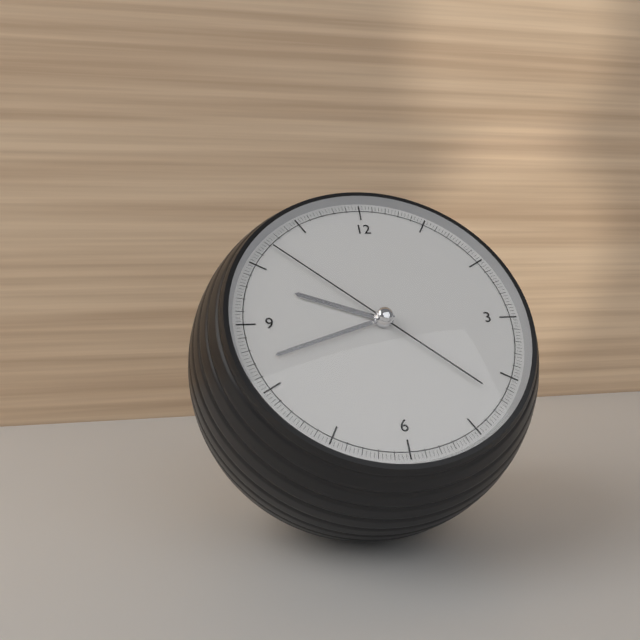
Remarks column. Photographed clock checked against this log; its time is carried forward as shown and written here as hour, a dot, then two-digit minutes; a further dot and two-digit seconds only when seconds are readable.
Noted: 9.42.52
